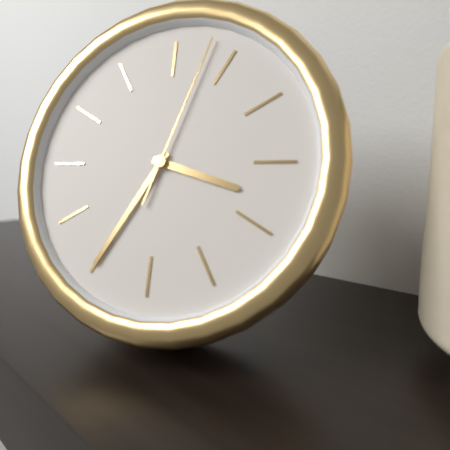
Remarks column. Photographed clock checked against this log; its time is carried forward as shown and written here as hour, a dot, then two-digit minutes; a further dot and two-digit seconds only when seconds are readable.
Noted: 3.35.03
